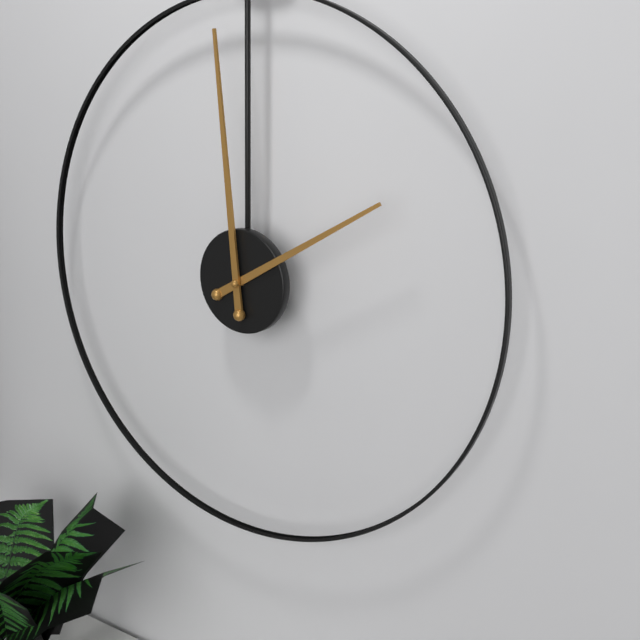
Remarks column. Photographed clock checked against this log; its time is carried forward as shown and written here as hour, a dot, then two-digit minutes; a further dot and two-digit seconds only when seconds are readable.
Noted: 1.59
